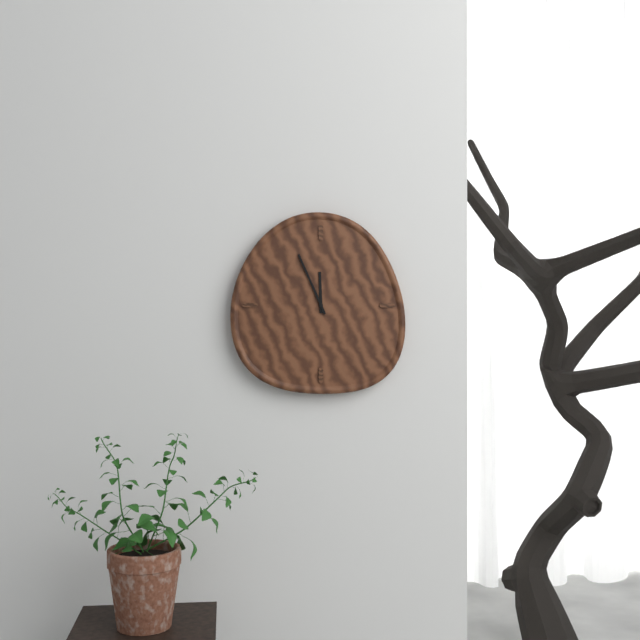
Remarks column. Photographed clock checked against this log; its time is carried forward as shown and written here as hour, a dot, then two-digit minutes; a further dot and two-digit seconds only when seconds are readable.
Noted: 11.56
